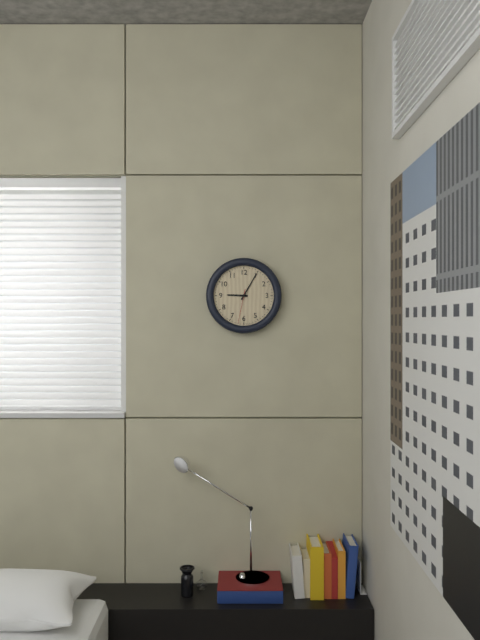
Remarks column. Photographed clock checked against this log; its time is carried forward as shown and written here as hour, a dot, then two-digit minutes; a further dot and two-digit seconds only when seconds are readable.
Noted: 9.05
